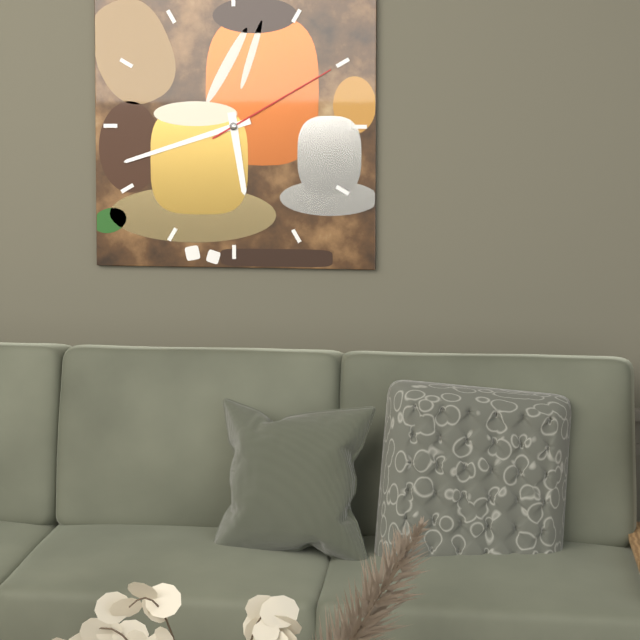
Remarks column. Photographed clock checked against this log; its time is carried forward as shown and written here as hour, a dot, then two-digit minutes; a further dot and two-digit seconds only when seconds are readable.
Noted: 5.42.10
